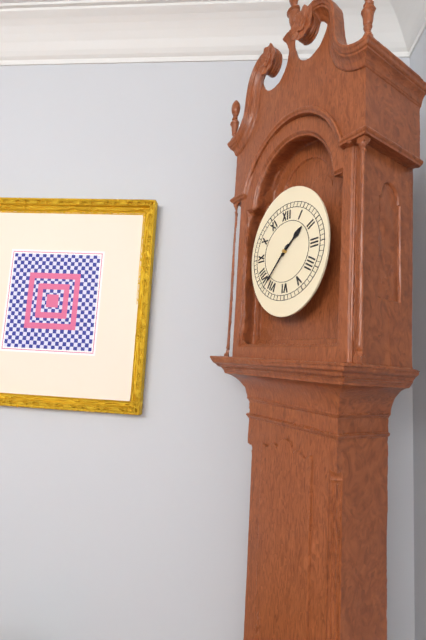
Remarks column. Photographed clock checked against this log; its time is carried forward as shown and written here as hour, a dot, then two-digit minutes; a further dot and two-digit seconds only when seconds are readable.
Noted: 1.37
